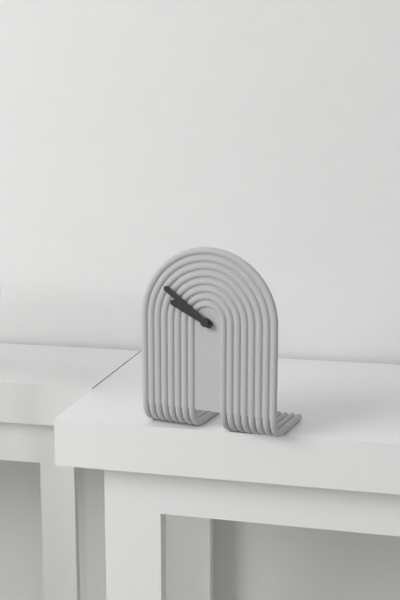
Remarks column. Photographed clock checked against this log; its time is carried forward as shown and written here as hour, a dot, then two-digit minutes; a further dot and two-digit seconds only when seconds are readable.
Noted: 9.51
